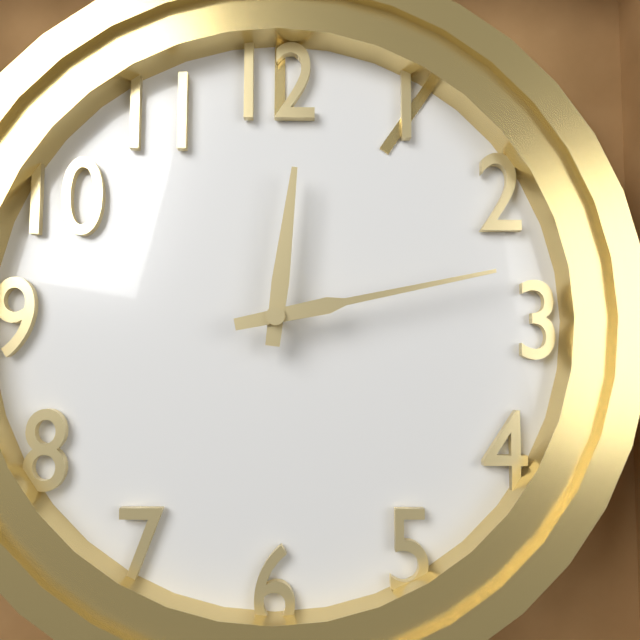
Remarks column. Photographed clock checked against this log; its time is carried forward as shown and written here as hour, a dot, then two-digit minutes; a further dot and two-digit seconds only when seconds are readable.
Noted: 12.13
